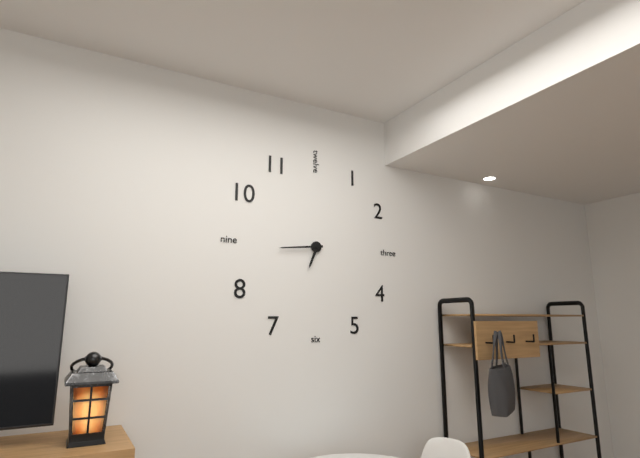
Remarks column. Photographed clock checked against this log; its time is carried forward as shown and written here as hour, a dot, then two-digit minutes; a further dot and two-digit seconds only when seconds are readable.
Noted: 6.44
